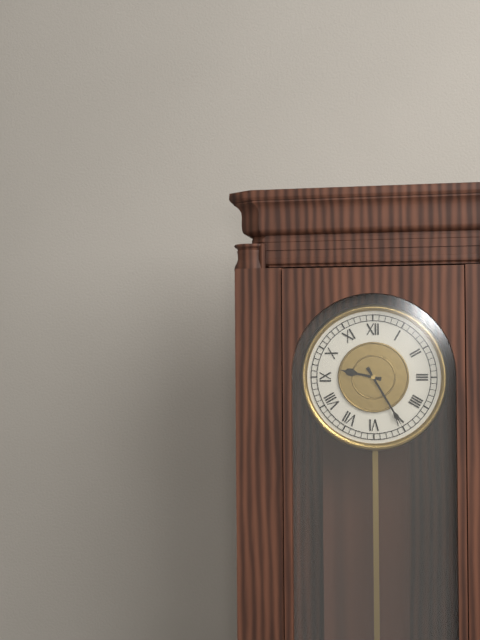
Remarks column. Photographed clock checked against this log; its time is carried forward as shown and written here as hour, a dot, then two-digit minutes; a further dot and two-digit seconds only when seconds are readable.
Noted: 9.25
